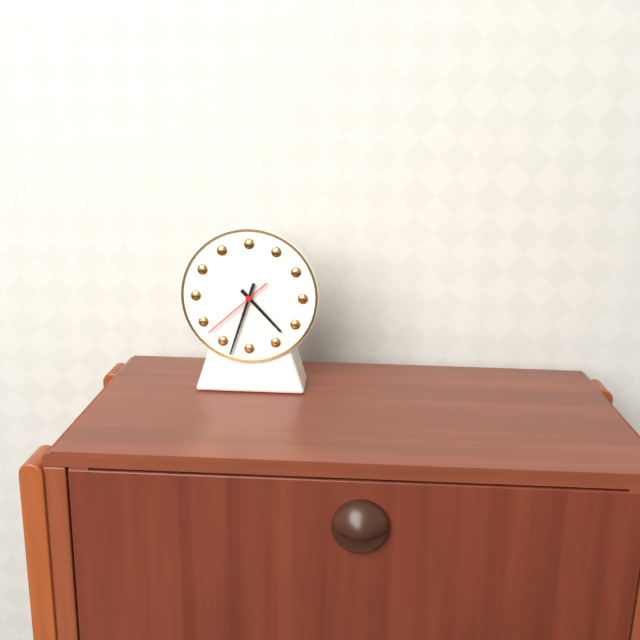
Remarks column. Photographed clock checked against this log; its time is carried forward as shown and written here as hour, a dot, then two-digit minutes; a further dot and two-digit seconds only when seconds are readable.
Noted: 4.33.38
